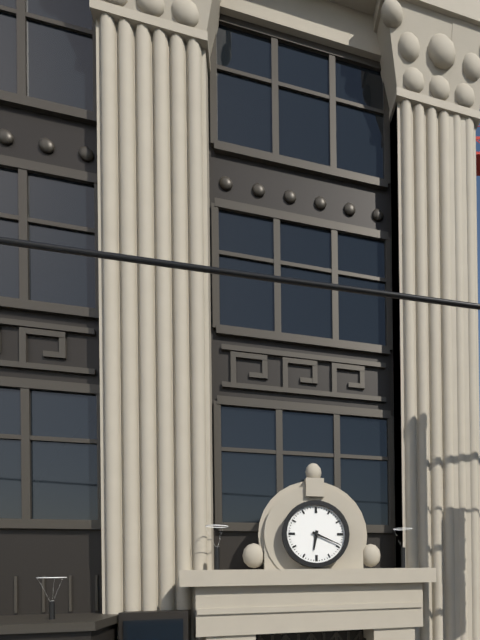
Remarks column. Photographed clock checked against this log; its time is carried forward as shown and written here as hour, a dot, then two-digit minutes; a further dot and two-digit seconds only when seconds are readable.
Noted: 6.19
